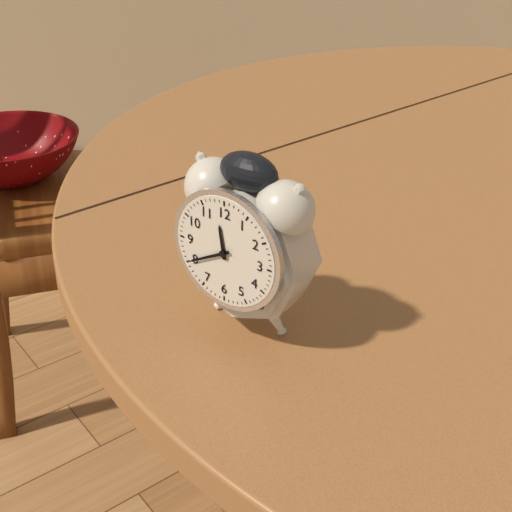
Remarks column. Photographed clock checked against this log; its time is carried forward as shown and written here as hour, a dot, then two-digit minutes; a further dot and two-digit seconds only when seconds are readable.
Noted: 11.40
